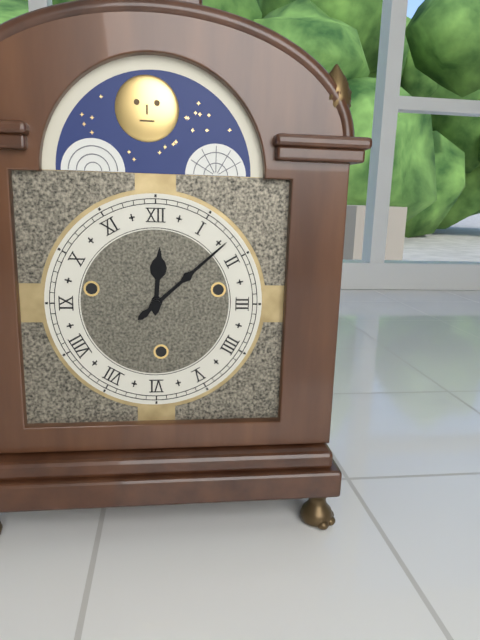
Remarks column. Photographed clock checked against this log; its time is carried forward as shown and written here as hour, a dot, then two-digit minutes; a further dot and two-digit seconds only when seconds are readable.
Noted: 12.08
